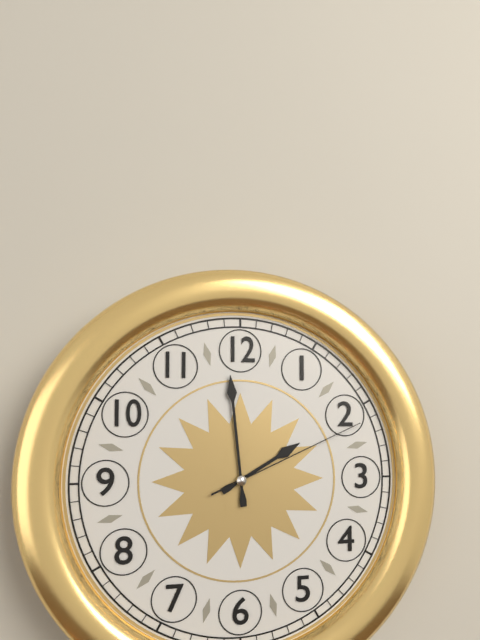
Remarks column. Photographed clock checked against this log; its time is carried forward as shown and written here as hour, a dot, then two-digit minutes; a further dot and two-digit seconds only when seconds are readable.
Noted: 1.59.11
